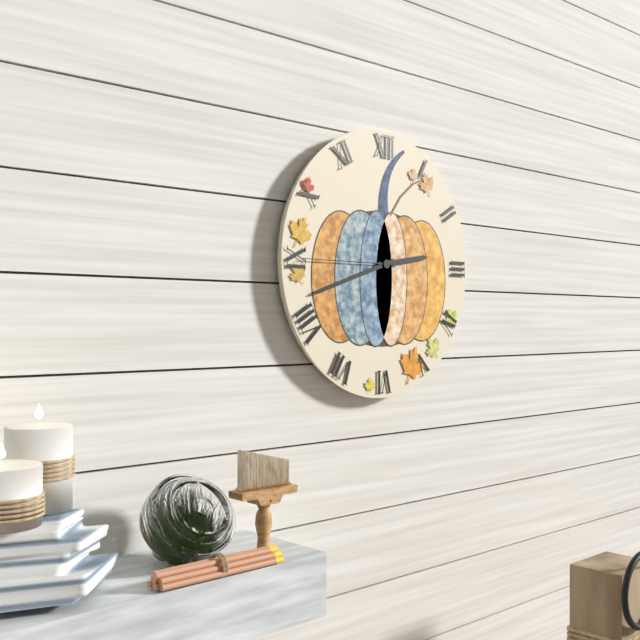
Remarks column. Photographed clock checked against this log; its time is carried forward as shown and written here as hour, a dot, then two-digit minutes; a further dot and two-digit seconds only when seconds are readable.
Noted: 2.42.45
